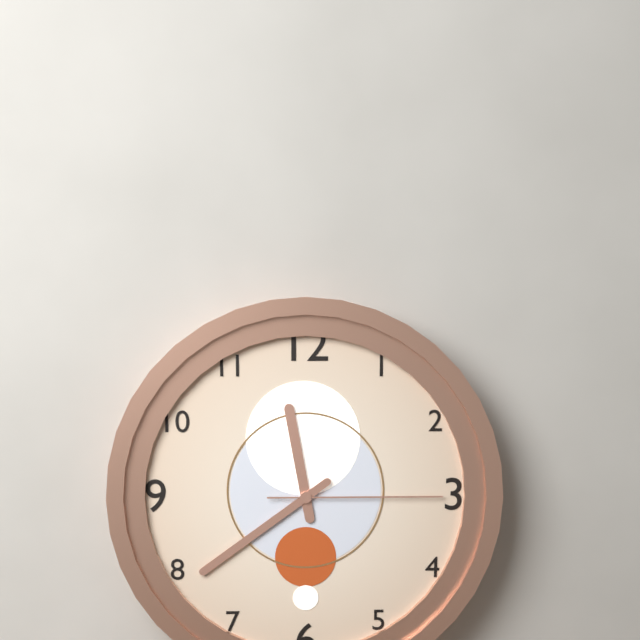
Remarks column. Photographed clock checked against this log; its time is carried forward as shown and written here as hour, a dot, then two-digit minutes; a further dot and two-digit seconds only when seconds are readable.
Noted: 11.39.15
